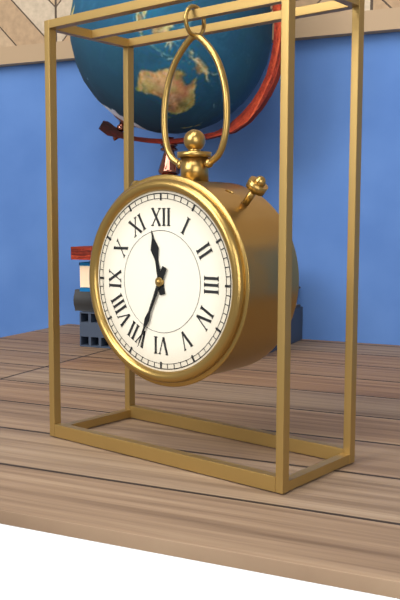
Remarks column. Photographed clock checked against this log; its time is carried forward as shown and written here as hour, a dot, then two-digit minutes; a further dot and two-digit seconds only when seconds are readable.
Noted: 11.34
